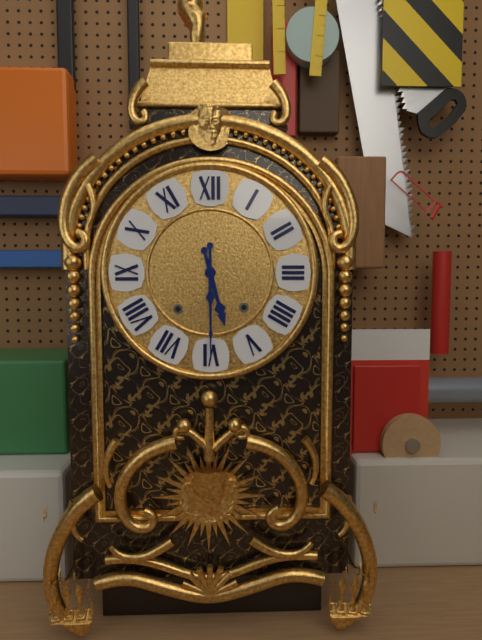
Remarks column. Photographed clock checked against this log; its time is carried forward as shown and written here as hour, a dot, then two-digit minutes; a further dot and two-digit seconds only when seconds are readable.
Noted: 5.30
